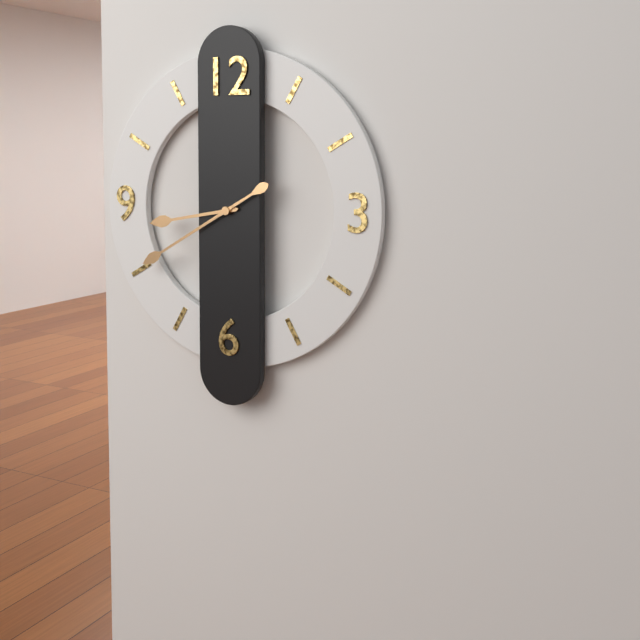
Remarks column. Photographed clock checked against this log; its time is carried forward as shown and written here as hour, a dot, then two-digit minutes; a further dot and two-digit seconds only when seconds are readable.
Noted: 8.40
